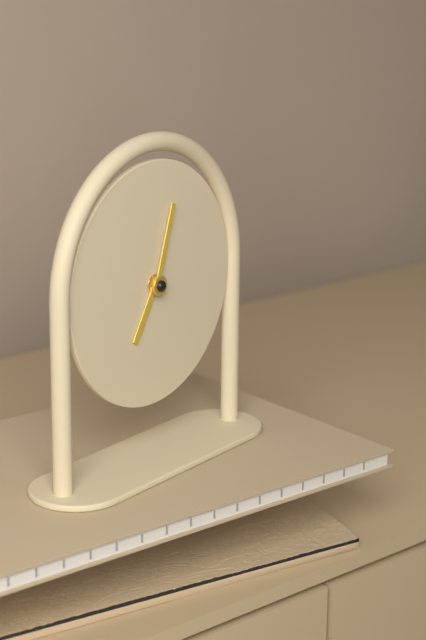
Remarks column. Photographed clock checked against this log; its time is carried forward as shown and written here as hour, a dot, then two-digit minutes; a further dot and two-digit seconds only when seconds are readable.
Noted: 7.03
